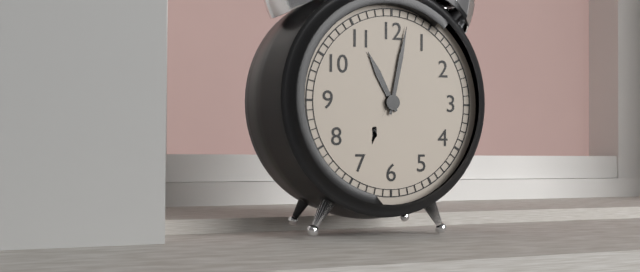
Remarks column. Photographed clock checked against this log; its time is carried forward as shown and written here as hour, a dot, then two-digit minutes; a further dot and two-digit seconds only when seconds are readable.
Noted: 11.02
